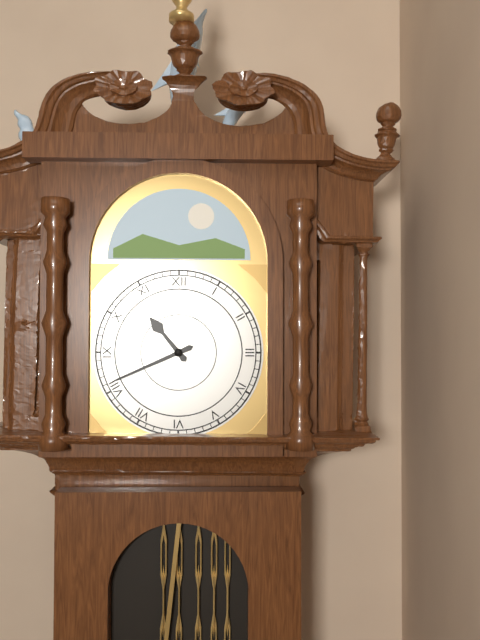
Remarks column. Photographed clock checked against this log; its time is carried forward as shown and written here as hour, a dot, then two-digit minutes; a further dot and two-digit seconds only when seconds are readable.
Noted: 10.41
